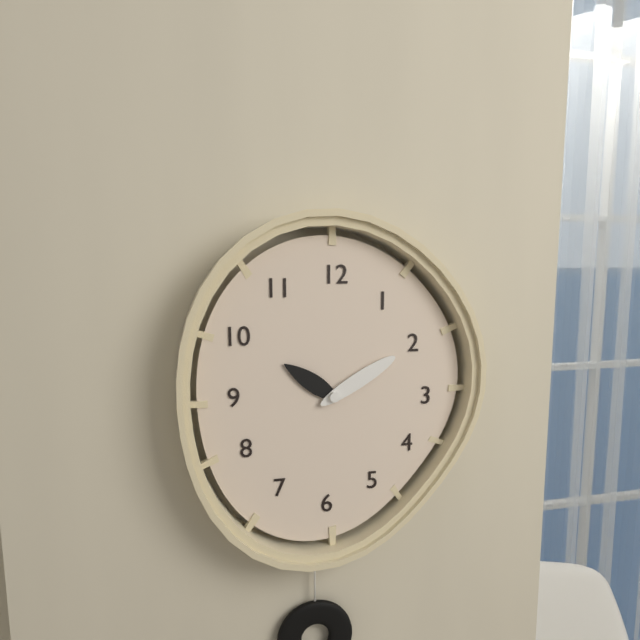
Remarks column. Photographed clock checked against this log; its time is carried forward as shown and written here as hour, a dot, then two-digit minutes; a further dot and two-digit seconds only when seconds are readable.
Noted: 10.10
